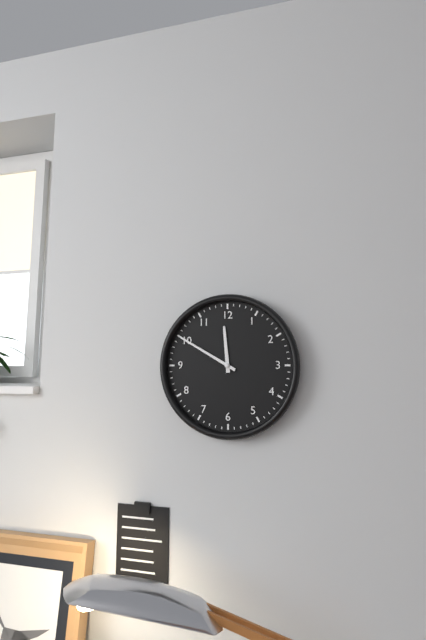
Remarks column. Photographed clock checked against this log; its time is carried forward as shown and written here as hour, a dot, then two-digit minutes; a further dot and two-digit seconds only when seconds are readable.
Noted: 11.50
